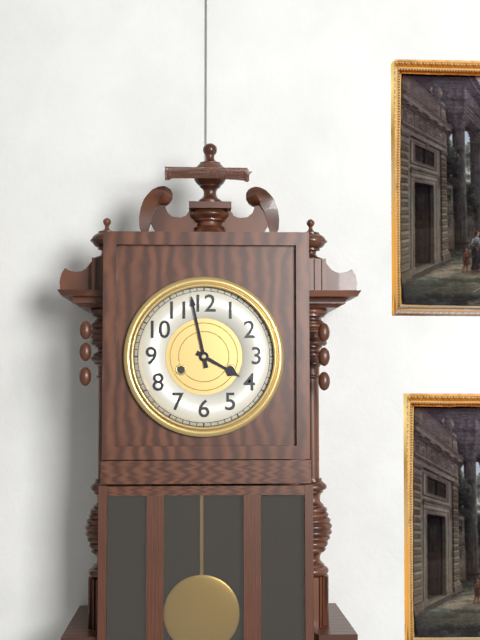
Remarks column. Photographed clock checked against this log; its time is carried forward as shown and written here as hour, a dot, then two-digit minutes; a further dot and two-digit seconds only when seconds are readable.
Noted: 3.58
